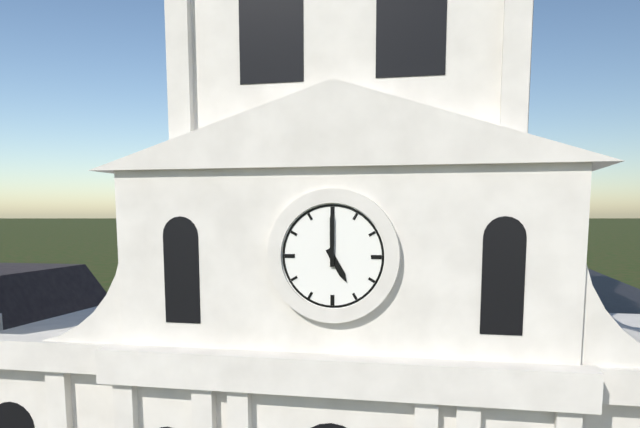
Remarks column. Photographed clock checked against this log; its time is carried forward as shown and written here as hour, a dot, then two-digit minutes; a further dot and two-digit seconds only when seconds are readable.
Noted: 5.00
